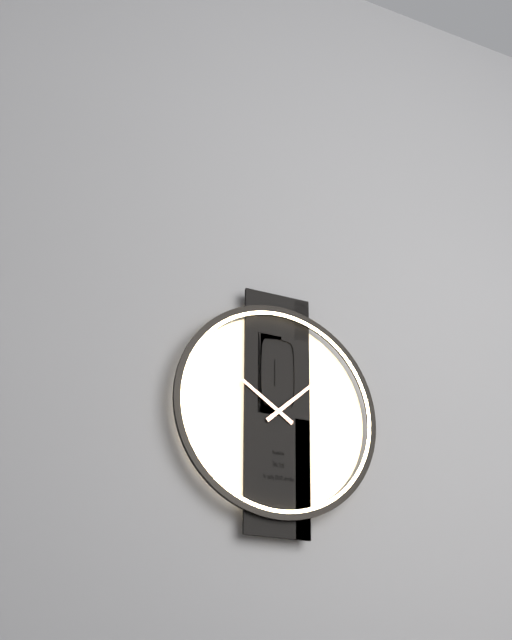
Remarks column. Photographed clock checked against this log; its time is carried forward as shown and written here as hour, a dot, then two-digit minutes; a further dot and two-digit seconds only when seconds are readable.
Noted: 10.08
